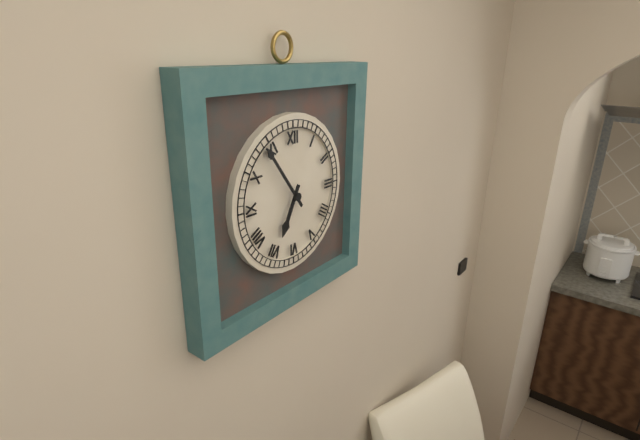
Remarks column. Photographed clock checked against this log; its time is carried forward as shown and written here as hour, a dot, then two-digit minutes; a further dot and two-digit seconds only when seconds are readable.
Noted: 6.54
